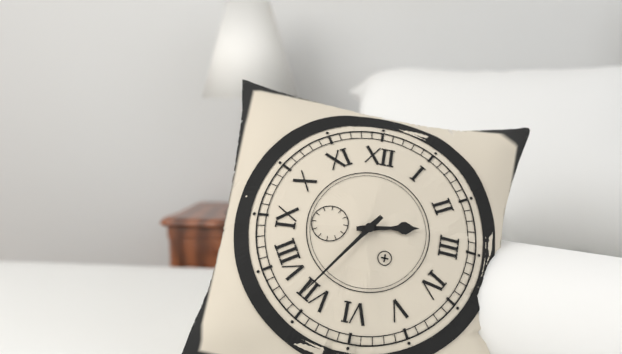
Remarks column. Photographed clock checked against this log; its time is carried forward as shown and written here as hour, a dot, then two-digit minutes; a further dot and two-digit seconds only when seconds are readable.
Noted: 2.36
